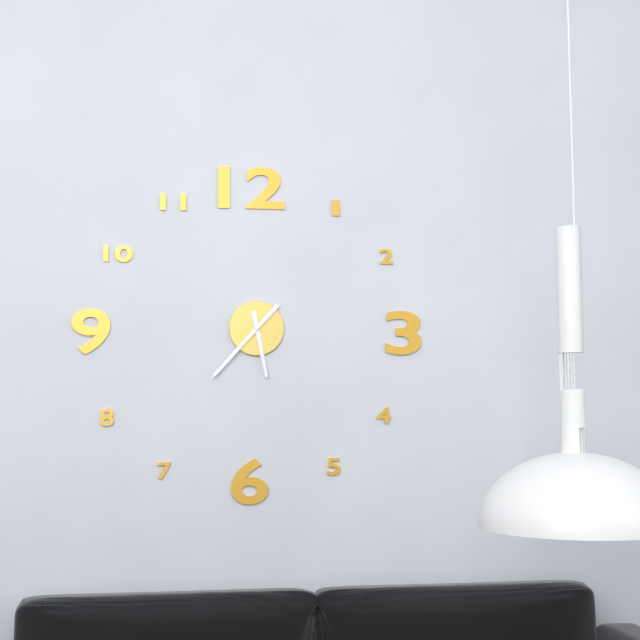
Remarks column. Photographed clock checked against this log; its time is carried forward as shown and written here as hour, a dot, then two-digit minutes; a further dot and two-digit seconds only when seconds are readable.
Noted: 5.37
